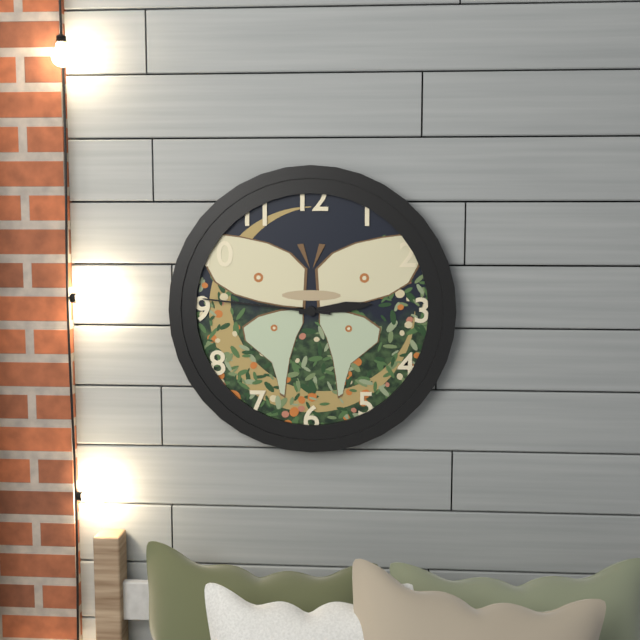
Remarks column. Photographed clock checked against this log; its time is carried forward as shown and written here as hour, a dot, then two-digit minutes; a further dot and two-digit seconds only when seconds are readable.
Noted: 2.46
